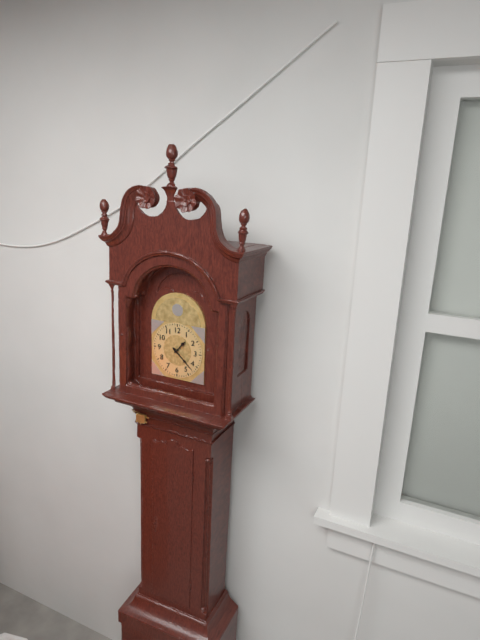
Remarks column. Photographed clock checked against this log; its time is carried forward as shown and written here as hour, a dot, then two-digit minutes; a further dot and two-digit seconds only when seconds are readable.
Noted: 1.22
